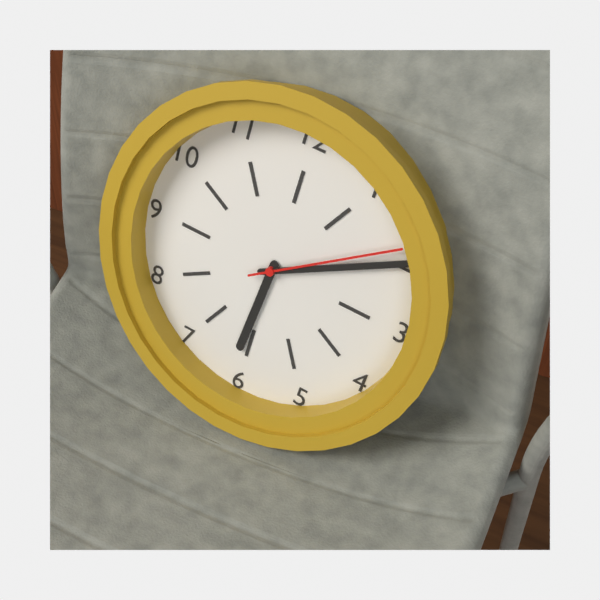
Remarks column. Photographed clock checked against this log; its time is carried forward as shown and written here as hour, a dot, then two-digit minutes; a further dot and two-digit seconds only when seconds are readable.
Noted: 6.10.09
